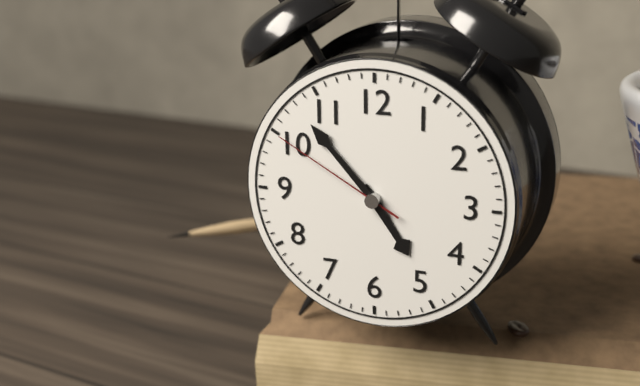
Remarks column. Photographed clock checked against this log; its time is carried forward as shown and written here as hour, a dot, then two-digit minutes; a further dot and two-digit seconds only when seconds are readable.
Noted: 4.53.50
